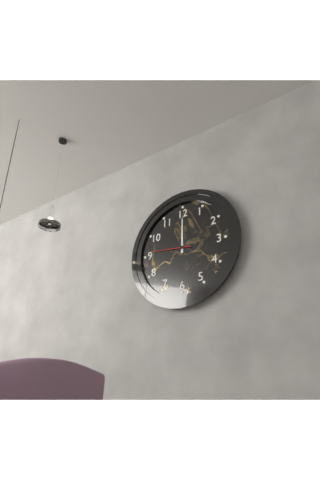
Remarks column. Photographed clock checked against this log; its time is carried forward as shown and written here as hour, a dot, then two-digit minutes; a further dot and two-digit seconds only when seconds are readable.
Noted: 12.00
